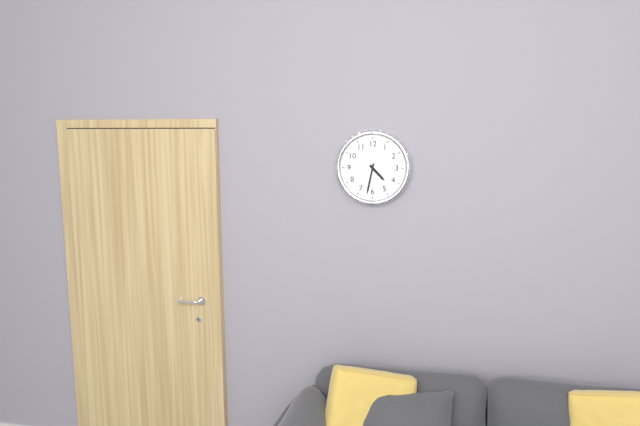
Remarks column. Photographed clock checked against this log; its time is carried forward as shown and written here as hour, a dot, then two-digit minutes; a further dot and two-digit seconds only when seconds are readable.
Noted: 4.32
